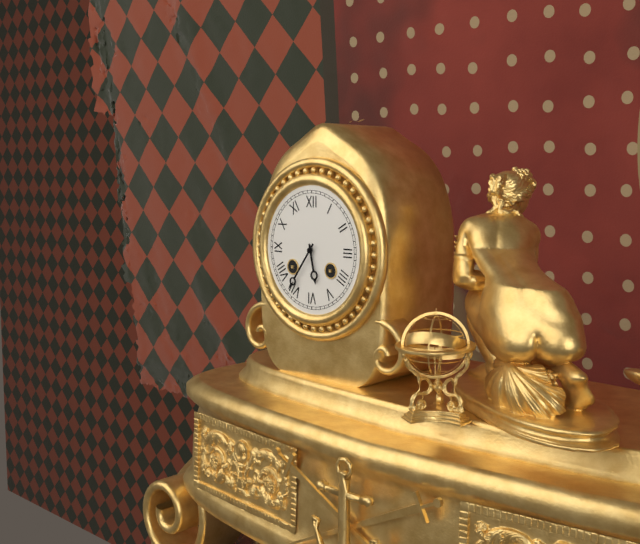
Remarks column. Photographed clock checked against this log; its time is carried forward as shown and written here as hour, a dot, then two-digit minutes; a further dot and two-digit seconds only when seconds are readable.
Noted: 5.36
